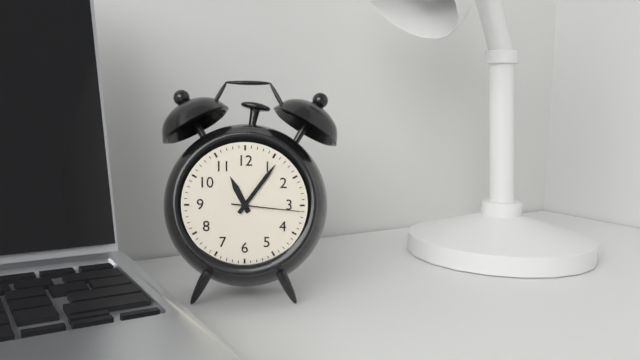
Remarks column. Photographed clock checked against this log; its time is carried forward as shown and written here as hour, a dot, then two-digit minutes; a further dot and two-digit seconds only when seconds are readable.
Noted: 11.06.16
